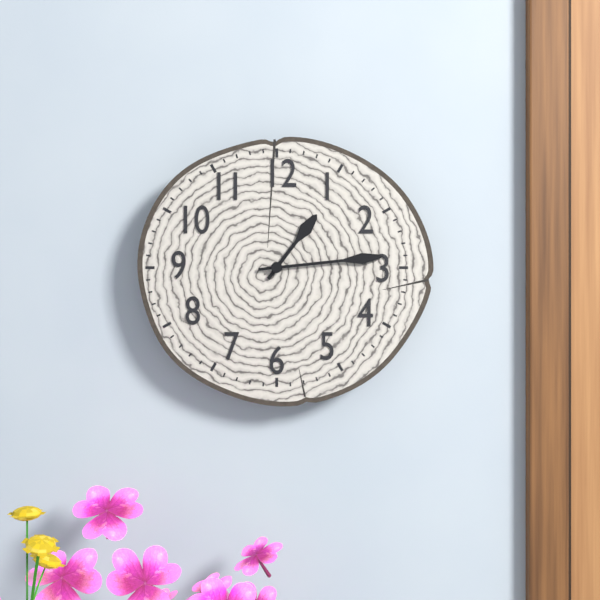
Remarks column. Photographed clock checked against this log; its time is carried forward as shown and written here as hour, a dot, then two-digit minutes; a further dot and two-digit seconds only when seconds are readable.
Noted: 1.14
